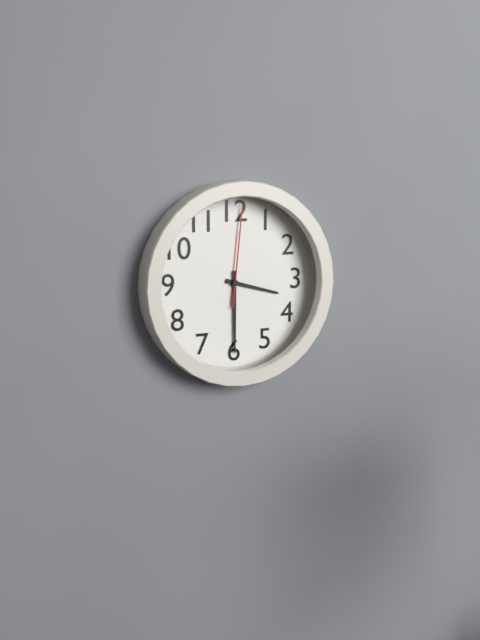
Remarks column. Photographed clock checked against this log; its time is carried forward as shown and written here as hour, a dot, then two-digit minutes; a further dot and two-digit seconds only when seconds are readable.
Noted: 3.30.01
